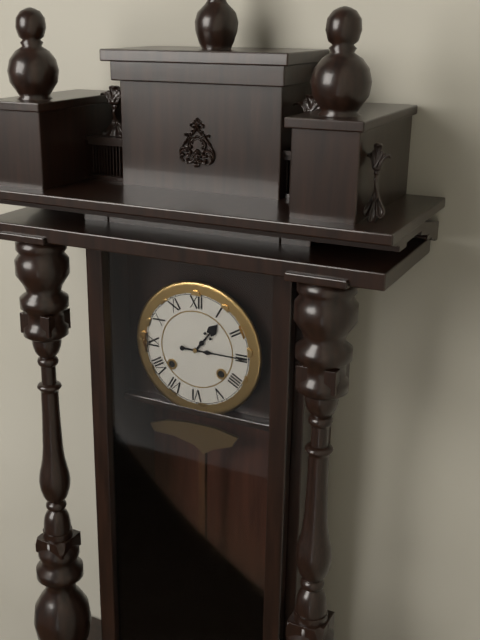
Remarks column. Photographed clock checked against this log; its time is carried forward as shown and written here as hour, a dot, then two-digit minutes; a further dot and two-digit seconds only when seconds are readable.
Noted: 1.15
